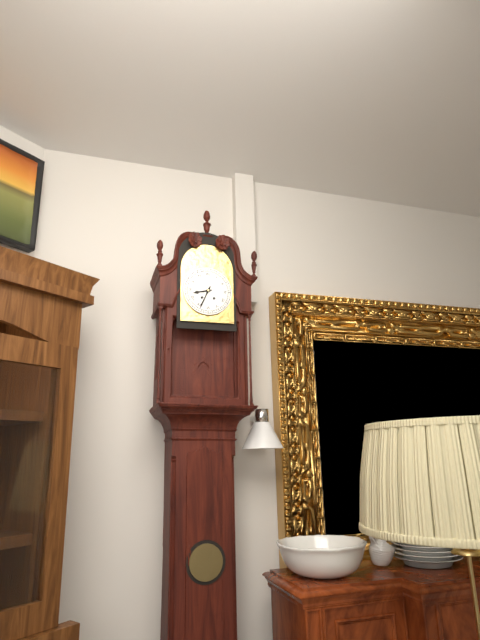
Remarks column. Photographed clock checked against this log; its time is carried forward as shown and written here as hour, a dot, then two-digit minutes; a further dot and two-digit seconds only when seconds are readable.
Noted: 8.34
